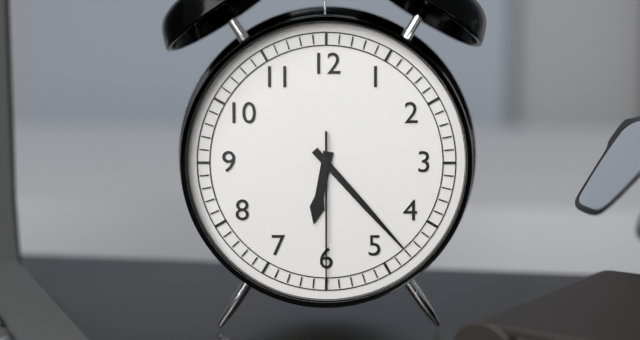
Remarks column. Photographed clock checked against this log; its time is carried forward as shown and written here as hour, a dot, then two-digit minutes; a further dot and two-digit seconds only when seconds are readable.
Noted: 6.23.30
